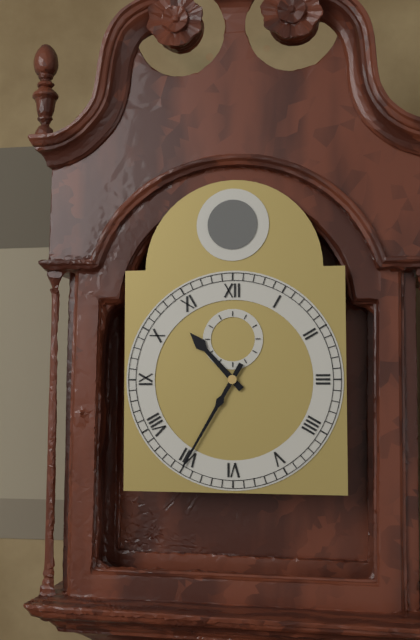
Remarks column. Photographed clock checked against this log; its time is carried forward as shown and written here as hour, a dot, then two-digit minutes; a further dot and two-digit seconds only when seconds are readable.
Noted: 10.35
